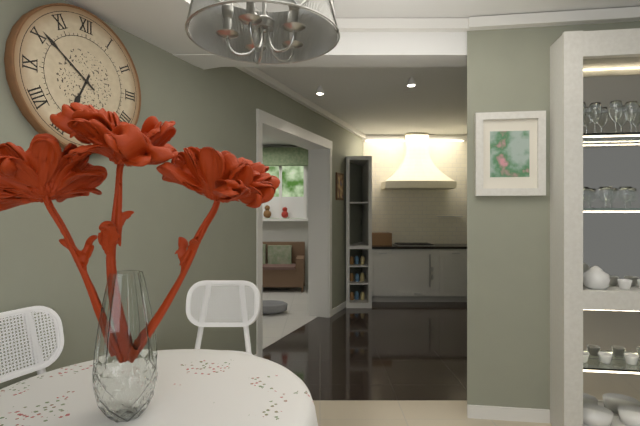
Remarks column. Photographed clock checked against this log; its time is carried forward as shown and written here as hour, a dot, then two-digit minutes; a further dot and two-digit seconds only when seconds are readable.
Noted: 6.51
